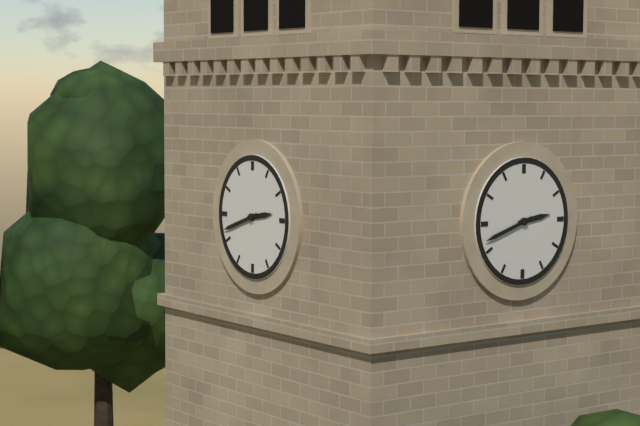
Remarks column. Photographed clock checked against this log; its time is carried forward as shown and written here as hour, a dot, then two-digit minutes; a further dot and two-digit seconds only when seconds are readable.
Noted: 2.42
